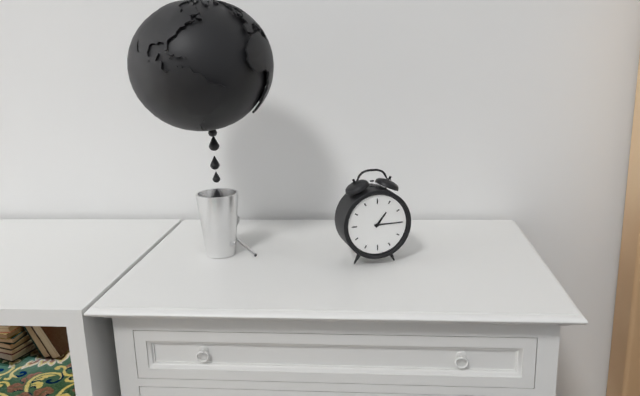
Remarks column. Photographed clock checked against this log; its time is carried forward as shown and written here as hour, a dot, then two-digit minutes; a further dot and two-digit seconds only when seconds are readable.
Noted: 1.15
